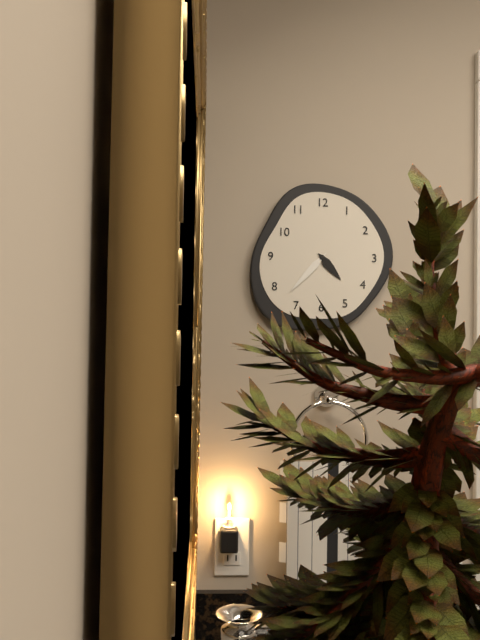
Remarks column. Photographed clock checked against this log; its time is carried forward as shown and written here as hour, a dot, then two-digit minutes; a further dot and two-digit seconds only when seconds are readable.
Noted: 4.37
